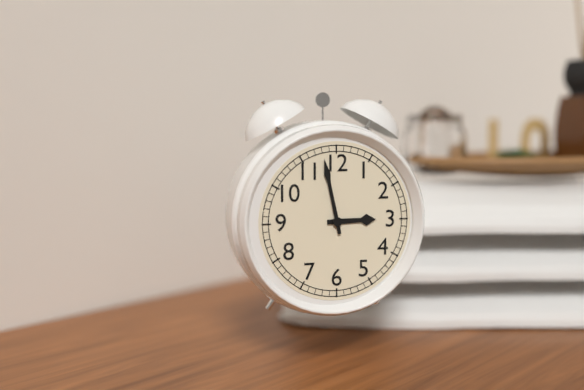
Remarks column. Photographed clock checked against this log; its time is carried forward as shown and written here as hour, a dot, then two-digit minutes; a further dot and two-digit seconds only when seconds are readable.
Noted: 2.58
